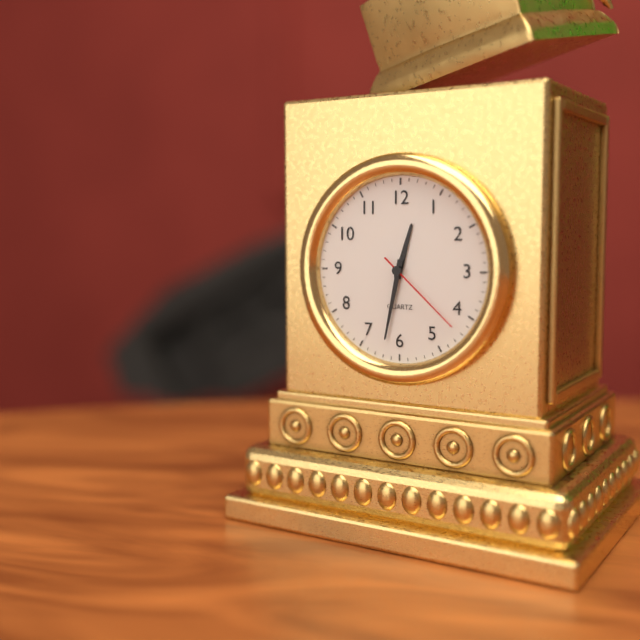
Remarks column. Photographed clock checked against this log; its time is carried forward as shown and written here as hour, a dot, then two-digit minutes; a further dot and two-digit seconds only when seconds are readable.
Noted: 12.32.22
